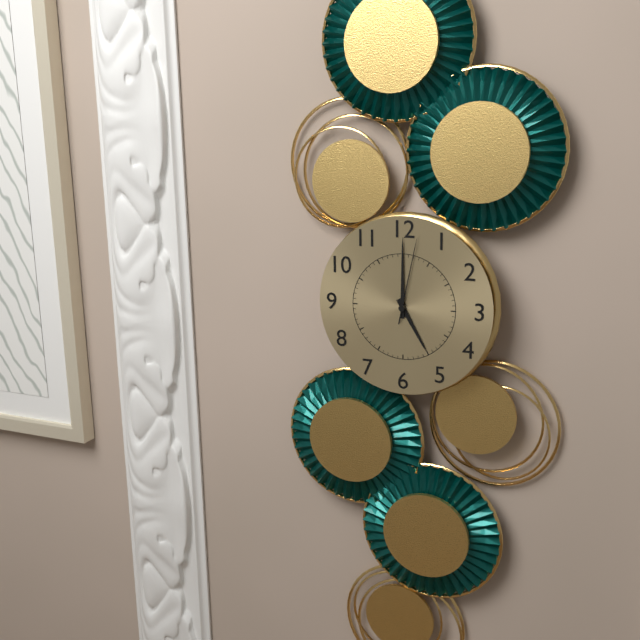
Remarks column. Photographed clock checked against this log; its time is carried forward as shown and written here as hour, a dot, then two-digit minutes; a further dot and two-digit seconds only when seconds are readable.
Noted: 5.00.02
